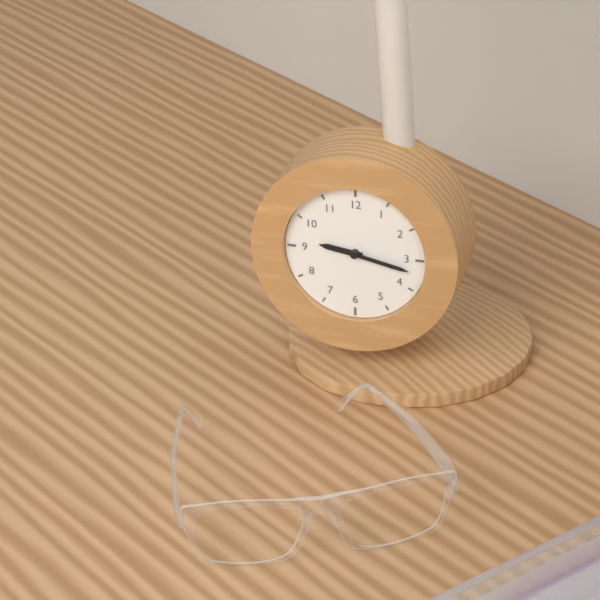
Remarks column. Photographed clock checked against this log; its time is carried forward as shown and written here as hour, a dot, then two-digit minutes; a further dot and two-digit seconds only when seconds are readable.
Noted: 9.17
